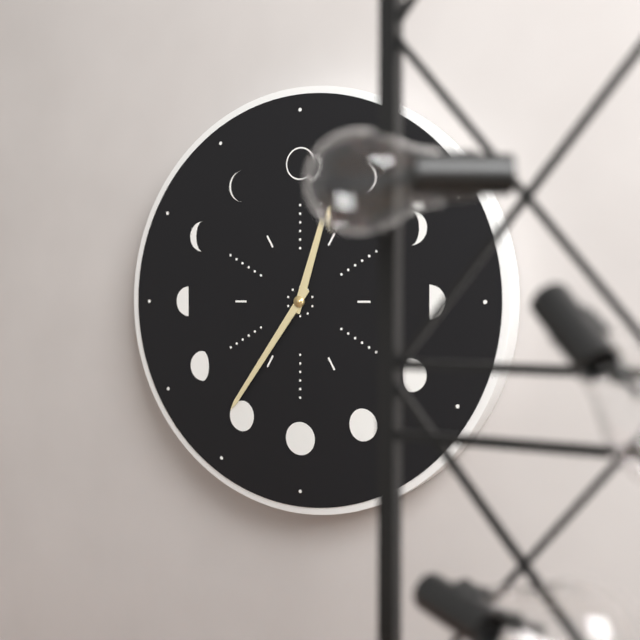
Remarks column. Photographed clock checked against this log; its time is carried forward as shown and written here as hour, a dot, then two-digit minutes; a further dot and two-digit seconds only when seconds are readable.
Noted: 12.36
